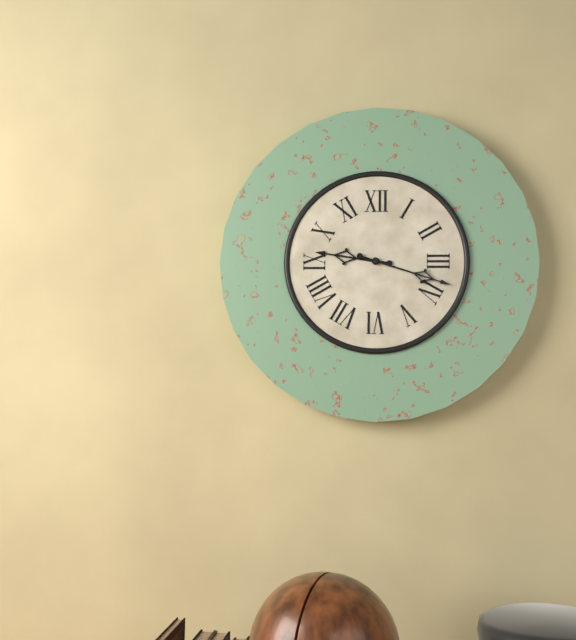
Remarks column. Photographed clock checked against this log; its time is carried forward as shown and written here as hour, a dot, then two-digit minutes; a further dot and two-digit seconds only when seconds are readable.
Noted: 9.18
